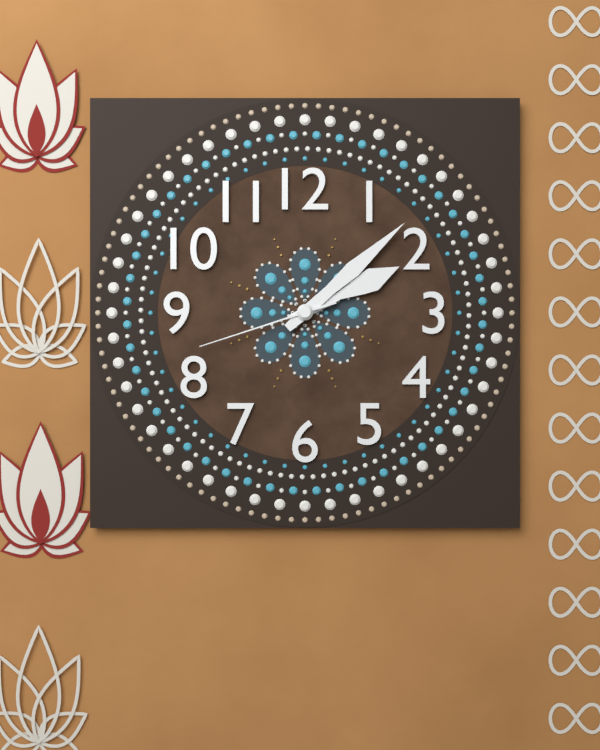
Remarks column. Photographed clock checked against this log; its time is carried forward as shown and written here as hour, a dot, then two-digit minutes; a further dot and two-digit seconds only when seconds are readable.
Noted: 2.08.42
